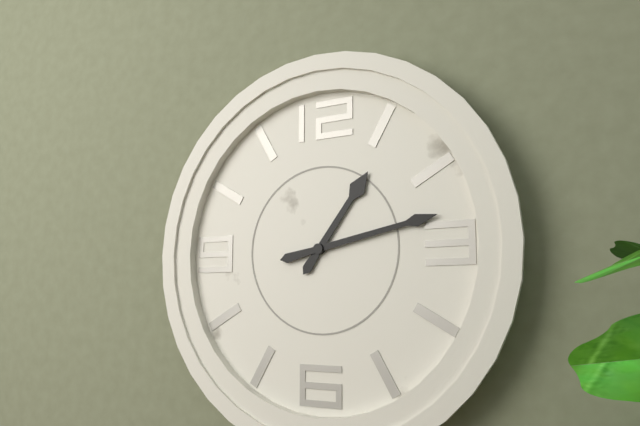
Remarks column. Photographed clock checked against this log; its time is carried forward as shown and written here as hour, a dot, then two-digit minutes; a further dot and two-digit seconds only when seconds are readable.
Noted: 1.13
